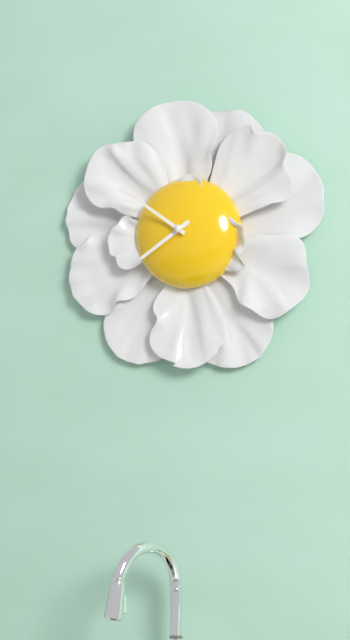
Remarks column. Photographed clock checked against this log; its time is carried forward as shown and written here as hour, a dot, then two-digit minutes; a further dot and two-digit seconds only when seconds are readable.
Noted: 7.51
